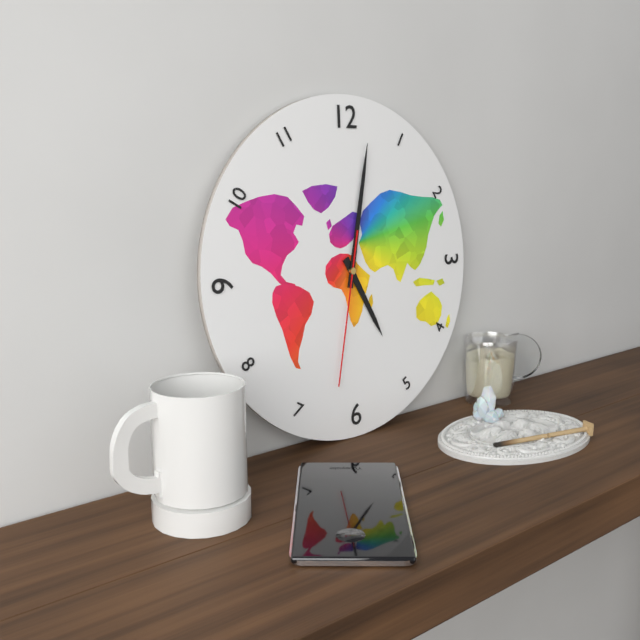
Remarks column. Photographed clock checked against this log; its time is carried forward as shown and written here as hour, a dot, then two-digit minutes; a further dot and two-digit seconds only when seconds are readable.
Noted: 5.02.32
